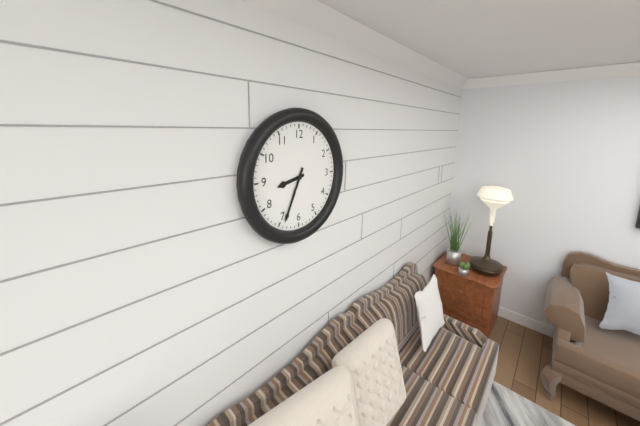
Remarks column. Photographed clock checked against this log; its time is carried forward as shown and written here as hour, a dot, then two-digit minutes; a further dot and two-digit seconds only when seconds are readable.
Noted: 8.34
